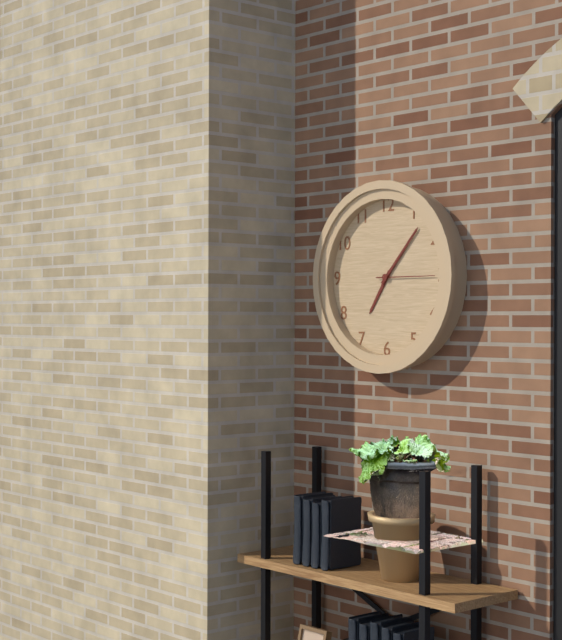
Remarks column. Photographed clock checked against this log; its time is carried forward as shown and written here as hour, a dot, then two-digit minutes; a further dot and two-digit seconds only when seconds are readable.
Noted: 7.07.15
